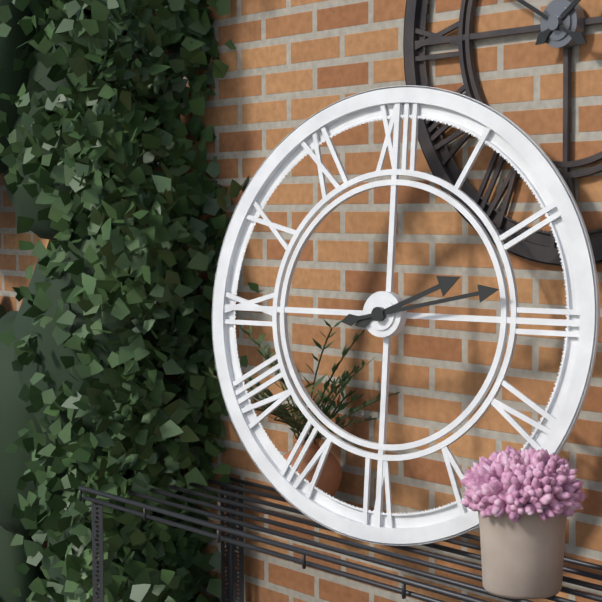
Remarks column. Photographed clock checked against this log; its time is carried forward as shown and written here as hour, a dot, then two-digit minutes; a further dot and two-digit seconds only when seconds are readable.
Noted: 2.13
